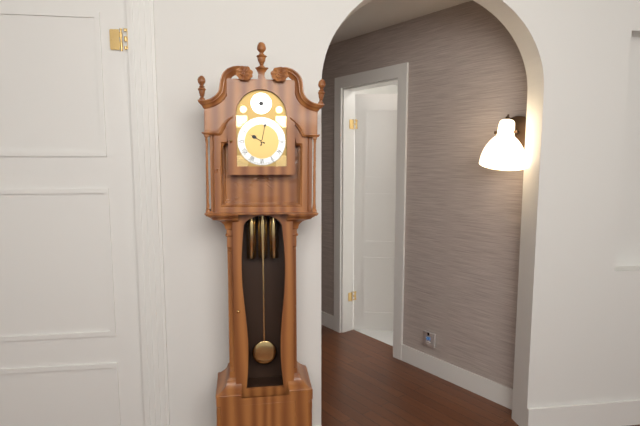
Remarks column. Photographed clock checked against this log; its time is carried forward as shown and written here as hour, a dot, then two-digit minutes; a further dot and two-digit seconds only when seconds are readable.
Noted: 10.02
